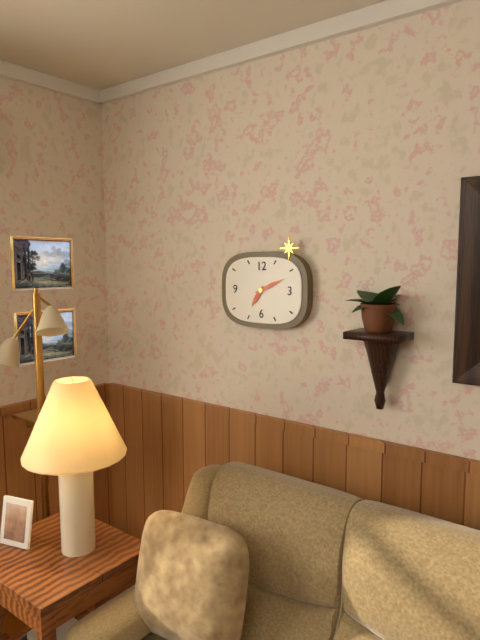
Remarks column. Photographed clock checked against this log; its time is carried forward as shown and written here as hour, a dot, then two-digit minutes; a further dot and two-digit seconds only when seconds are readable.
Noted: 7.11
